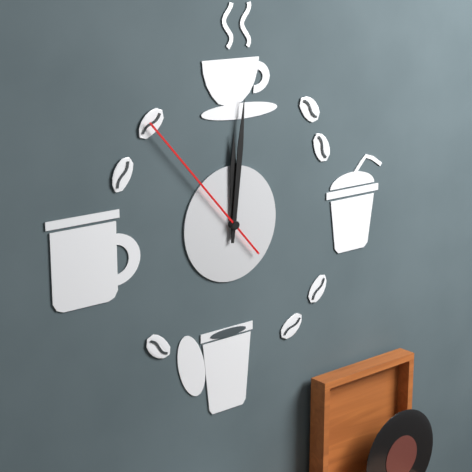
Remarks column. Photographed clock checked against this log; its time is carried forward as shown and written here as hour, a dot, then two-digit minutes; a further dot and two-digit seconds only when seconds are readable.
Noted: 12.01.53
